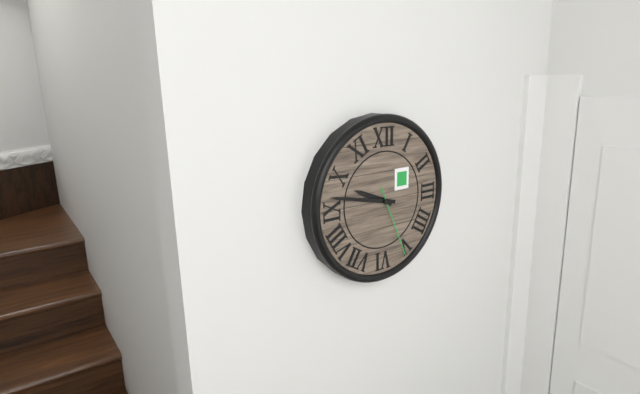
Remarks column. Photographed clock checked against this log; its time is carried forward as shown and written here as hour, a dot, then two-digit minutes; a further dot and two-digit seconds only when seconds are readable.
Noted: 9.47.26
